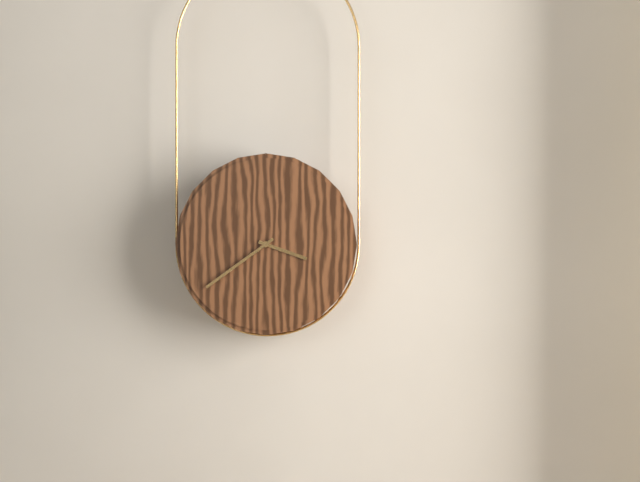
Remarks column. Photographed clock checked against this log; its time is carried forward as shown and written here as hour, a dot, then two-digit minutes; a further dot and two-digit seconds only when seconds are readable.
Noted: 3.39
